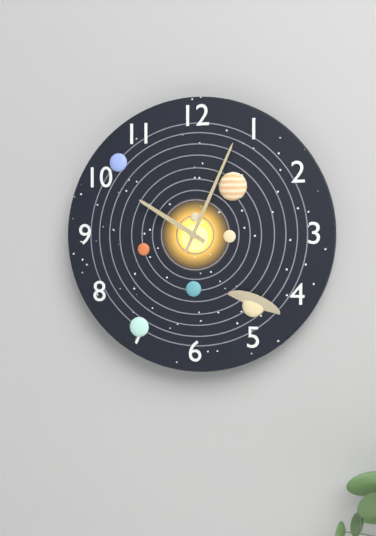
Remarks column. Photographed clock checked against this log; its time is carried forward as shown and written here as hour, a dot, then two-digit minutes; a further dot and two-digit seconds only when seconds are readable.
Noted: 10.04
